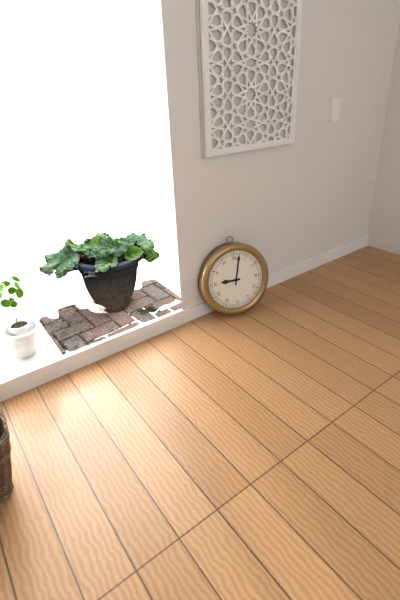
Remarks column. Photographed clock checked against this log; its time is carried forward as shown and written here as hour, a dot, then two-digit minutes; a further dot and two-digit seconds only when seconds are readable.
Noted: 9.02
